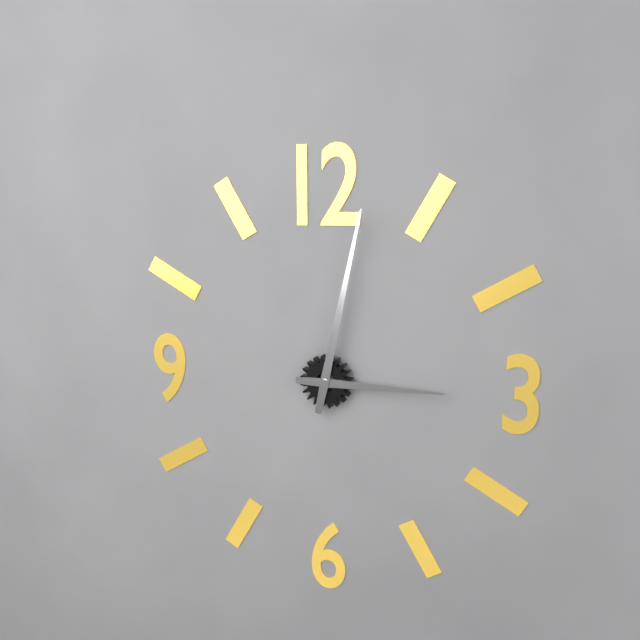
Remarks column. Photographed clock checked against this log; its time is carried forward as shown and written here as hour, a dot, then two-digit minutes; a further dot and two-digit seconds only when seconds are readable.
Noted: 3.02
